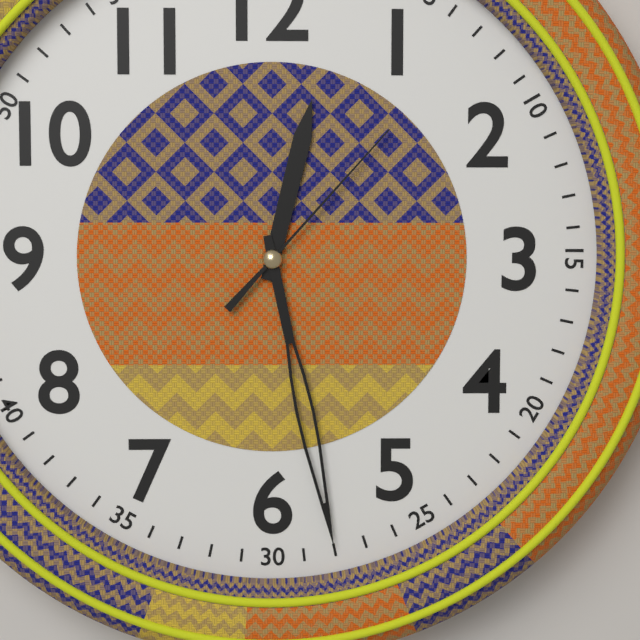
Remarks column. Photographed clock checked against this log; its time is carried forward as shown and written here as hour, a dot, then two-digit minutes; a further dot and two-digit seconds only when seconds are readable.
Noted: 12.28.07
